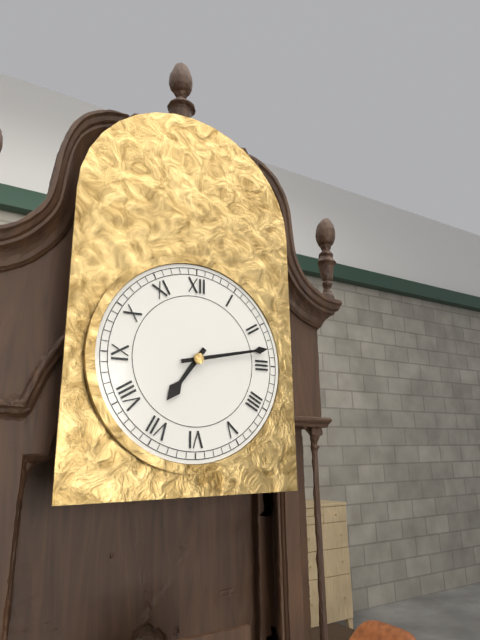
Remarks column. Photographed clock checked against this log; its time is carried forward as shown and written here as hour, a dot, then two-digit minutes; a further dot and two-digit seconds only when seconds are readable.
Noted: 7.13
